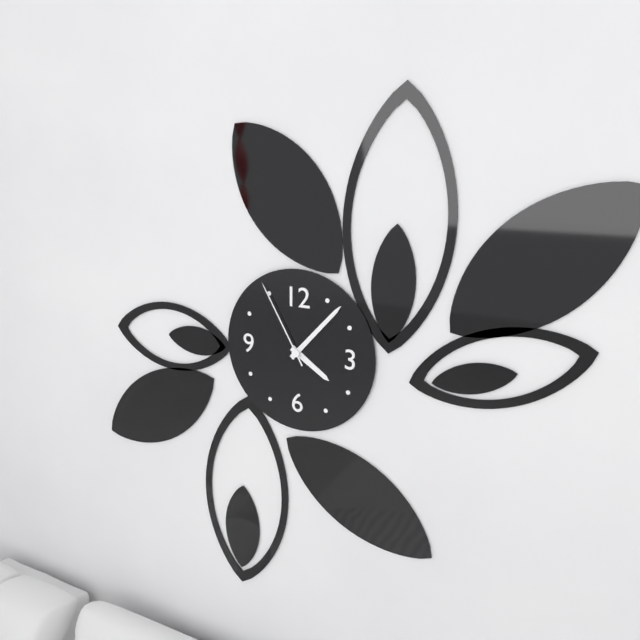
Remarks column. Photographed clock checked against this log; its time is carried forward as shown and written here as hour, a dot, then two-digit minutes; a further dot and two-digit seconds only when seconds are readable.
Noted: 4.07.55
